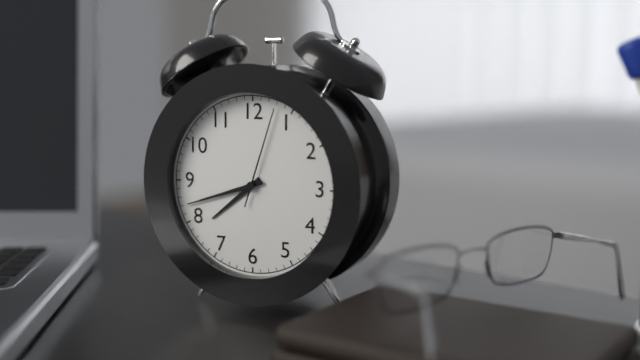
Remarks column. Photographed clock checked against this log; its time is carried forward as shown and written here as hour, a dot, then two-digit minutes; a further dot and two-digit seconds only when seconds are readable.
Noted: 7.42.03
